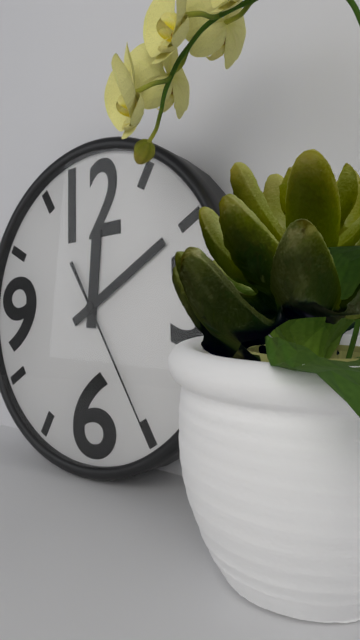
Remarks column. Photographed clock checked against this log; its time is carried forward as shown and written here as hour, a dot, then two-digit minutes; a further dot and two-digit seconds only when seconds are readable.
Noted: 12.10.25
